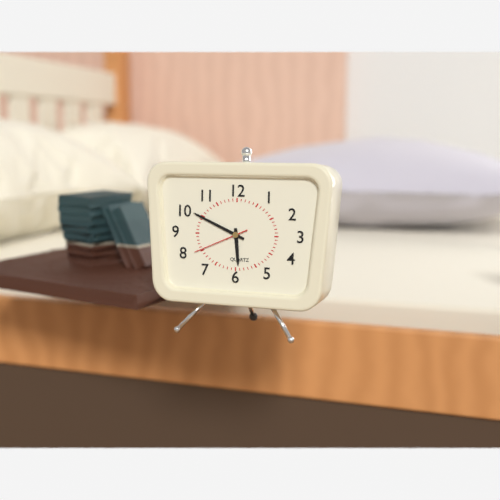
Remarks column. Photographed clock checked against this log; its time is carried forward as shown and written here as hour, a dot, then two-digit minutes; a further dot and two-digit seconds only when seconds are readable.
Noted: 5.49.41
